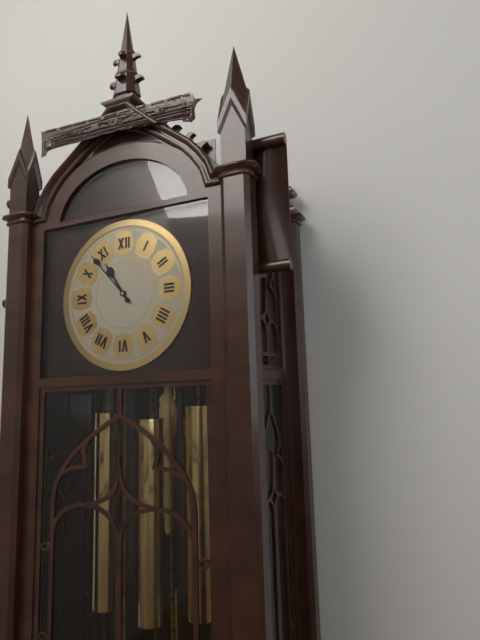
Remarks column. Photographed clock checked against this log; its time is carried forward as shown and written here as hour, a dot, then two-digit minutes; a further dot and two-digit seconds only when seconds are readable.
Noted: 10.53
